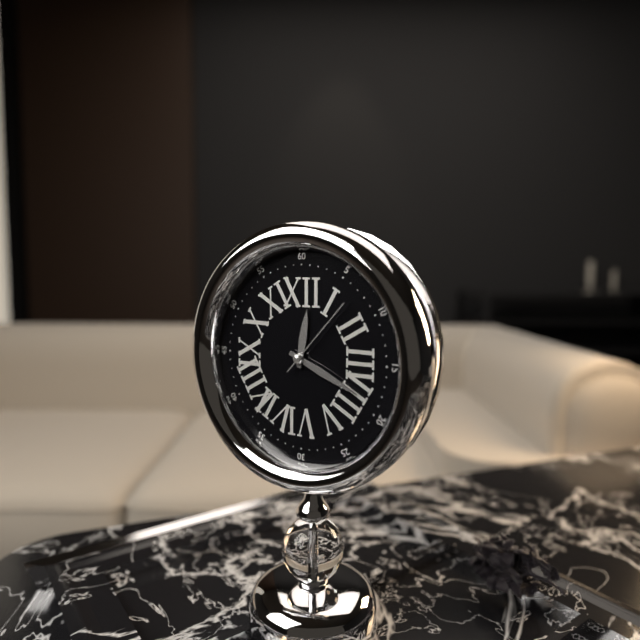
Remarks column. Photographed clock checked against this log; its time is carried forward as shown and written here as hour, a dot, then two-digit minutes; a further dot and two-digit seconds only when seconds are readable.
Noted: 12.19.07
